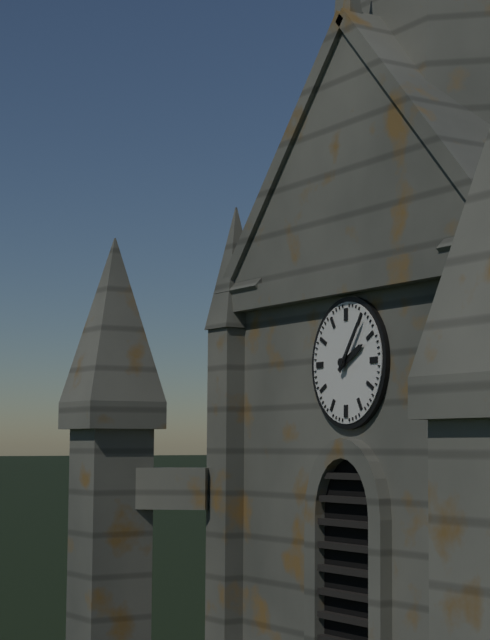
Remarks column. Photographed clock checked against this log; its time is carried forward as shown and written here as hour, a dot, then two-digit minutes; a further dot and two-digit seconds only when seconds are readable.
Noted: 2.06
